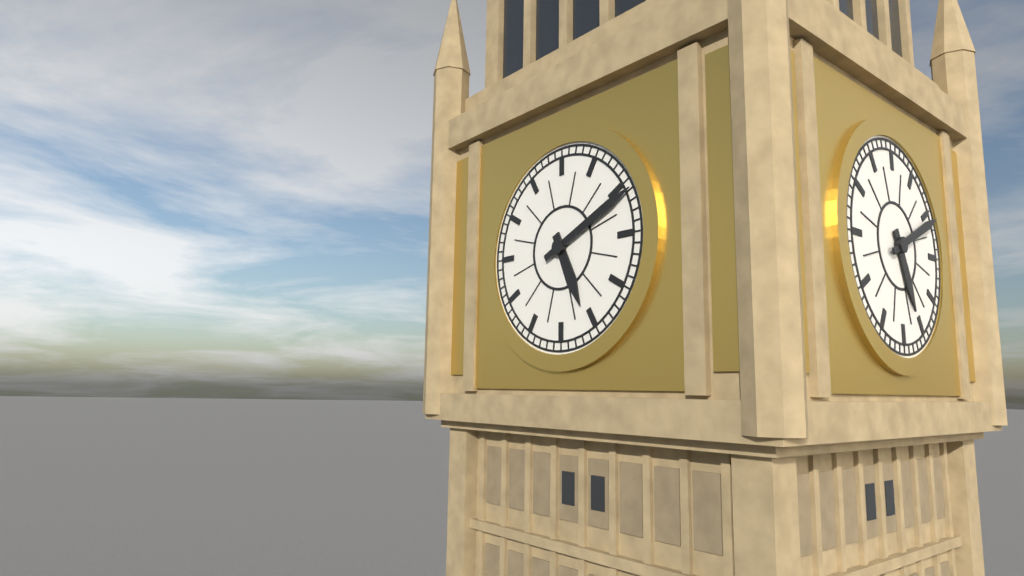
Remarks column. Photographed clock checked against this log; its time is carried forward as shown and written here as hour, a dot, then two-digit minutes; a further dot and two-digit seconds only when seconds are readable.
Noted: 5.11
